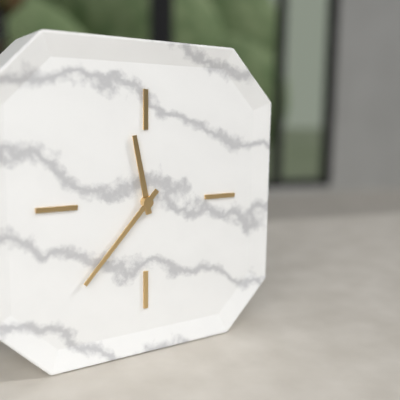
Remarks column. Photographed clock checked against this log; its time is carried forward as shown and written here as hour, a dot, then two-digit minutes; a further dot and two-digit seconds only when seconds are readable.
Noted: 11.37
